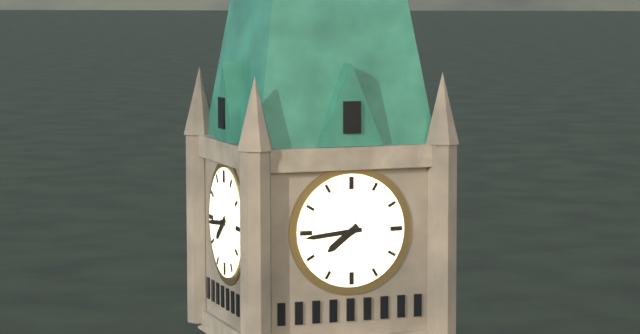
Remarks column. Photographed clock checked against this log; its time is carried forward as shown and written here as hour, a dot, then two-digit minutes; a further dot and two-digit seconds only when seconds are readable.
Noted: 7.44
